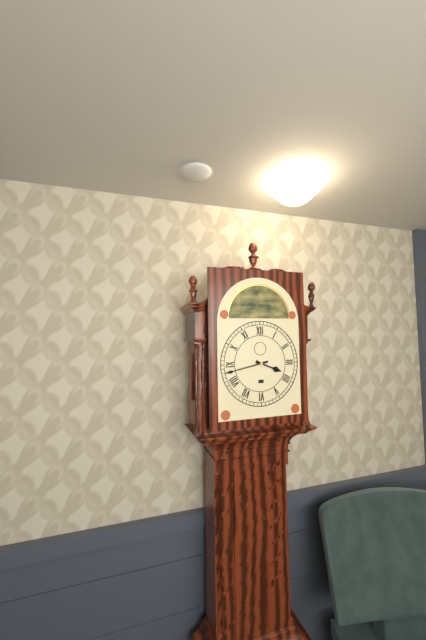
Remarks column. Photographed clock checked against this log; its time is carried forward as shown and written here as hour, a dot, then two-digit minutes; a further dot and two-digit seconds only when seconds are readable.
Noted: 3.43
